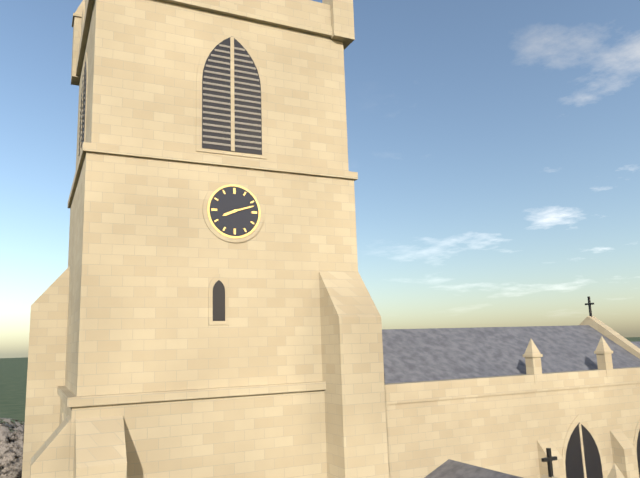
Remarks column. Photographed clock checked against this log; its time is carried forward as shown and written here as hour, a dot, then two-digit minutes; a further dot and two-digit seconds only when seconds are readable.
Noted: 8.12
